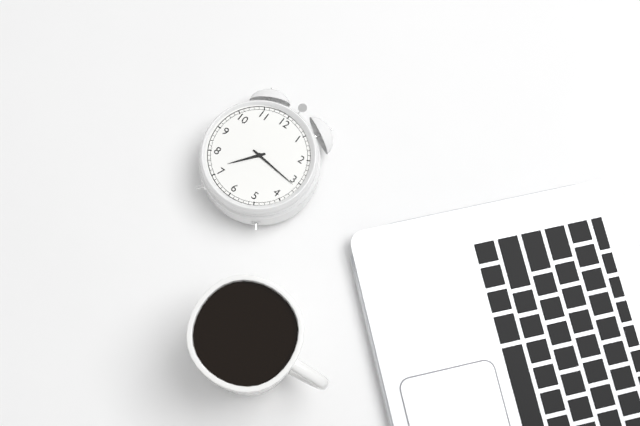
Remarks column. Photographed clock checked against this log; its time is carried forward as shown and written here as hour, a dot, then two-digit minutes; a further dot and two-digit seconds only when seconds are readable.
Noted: 7.16
